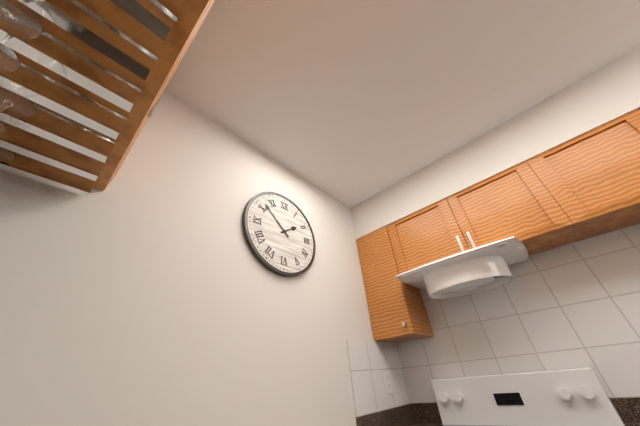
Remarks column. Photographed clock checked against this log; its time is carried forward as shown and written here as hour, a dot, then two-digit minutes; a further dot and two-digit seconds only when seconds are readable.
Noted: 1.52
